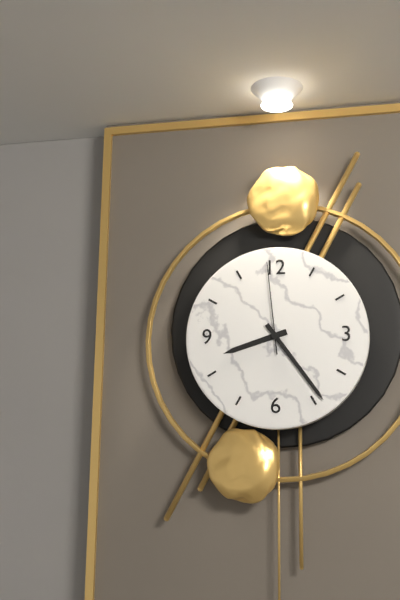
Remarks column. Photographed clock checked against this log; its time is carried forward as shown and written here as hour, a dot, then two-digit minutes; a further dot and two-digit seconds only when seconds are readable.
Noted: 8.24.59
